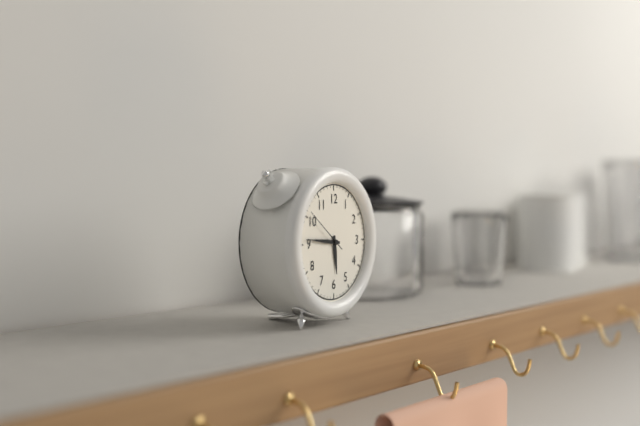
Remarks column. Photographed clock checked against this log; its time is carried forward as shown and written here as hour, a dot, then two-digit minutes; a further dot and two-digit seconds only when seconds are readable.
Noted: 5.46
